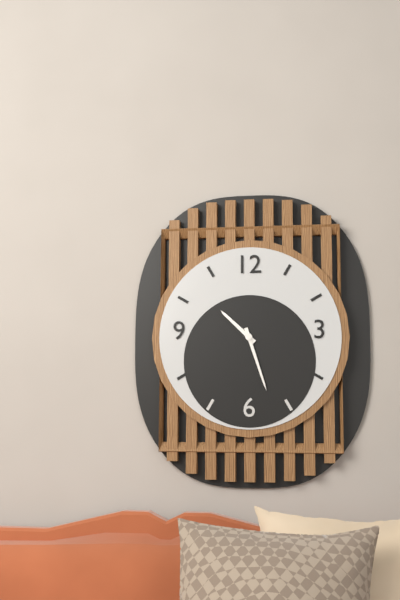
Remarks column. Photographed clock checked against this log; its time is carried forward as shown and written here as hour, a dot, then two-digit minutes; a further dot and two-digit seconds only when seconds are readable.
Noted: 10.27
